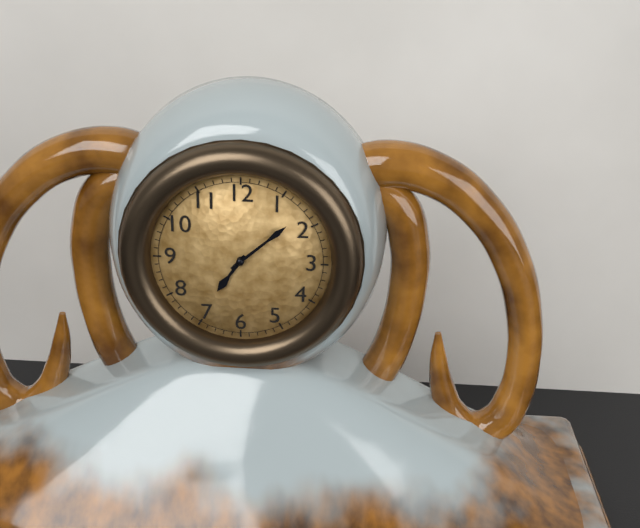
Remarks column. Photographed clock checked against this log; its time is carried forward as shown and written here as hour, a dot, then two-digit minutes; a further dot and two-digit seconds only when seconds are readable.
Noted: 7.08
